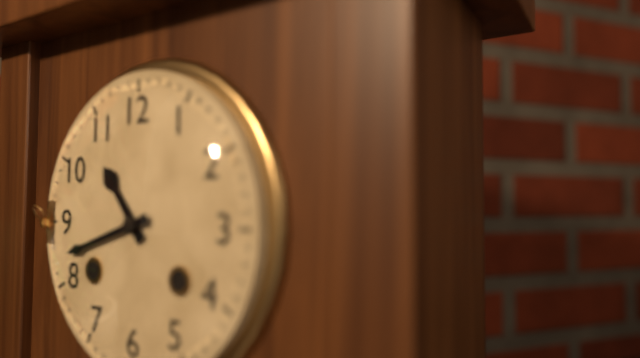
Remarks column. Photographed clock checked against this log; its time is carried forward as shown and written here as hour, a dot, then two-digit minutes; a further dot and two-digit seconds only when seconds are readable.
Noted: 10.42
